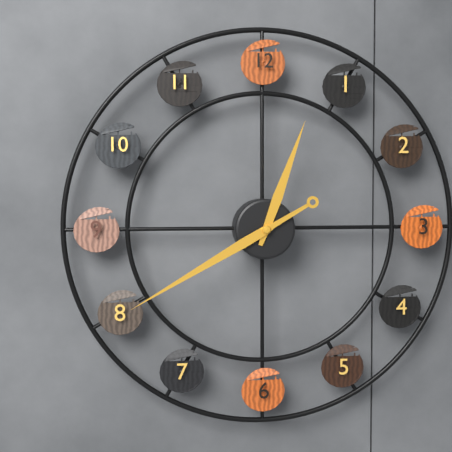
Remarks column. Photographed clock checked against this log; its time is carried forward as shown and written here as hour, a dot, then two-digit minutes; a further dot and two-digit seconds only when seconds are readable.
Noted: 12.40
